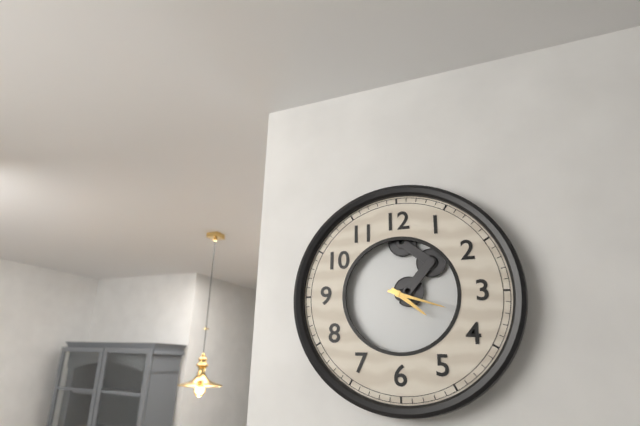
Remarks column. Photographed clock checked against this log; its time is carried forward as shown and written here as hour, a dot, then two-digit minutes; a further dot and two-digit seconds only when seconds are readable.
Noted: 4.18
